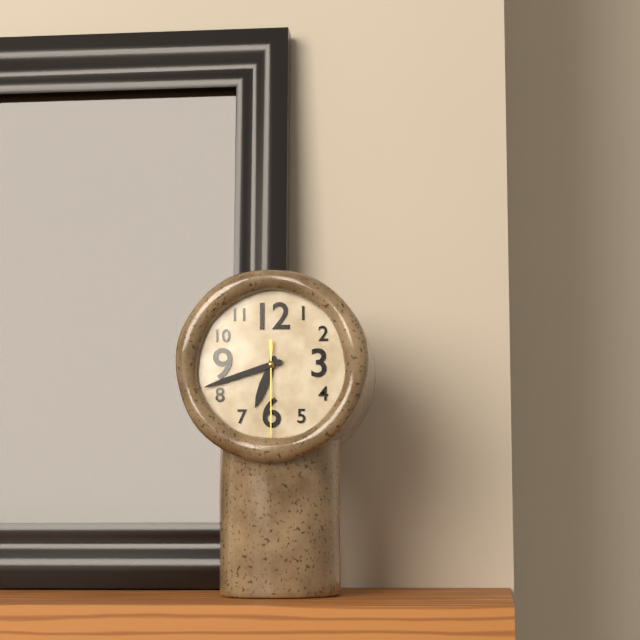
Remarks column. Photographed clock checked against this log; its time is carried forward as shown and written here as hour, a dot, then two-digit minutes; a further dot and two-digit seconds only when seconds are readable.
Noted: 6.42.30
